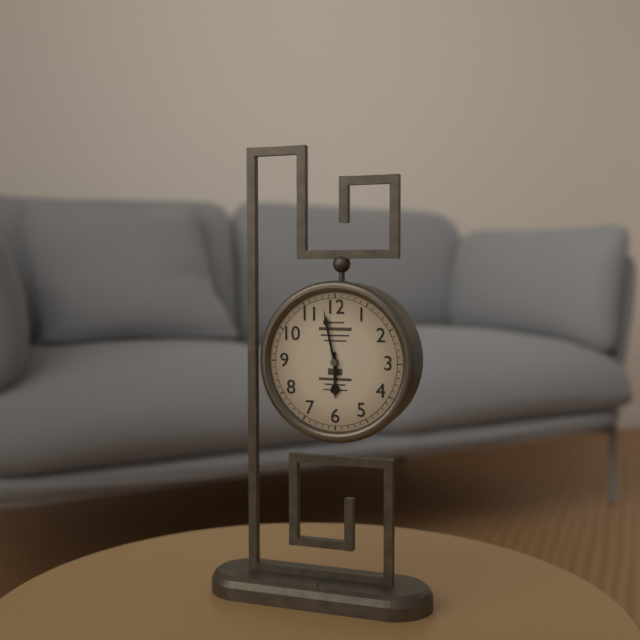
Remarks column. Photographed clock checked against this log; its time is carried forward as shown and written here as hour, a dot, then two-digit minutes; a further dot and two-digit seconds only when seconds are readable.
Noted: 5.58
